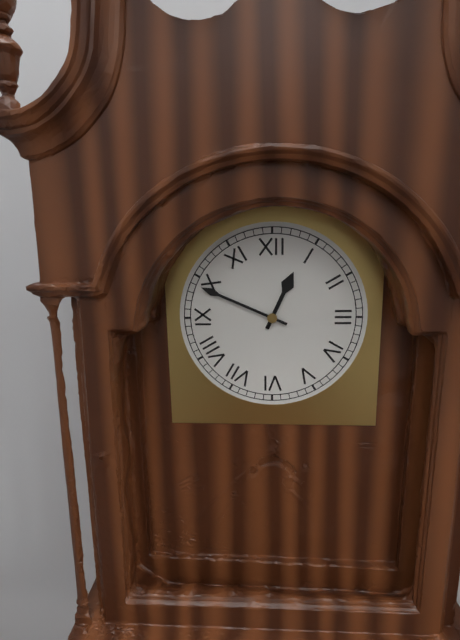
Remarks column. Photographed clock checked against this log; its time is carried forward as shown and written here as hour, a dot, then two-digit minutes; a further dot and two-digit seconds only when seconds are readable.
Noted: 12.49
